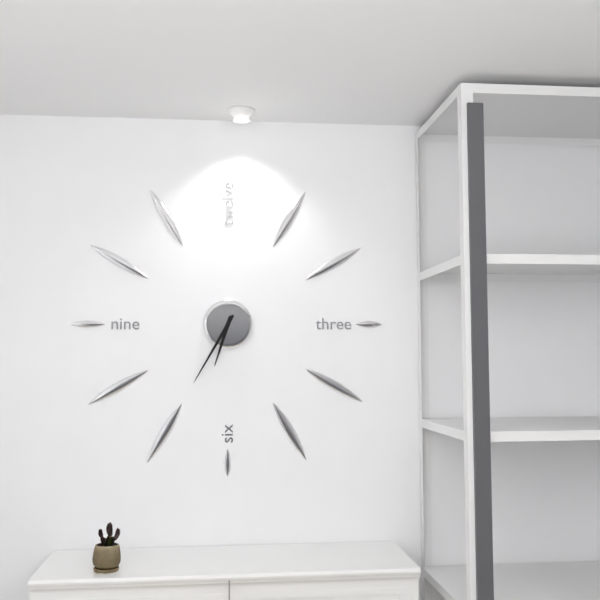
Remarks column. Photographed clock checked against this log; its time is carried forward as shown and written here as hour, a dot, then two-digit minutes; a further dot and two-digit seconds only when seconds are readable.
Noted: 6.35
